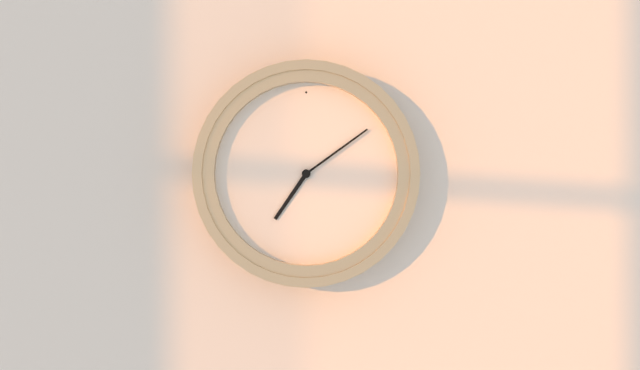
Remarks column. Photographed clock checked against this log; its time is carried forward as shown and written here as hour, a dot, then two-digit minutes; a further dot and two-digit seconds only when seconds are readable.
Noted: 7.09
